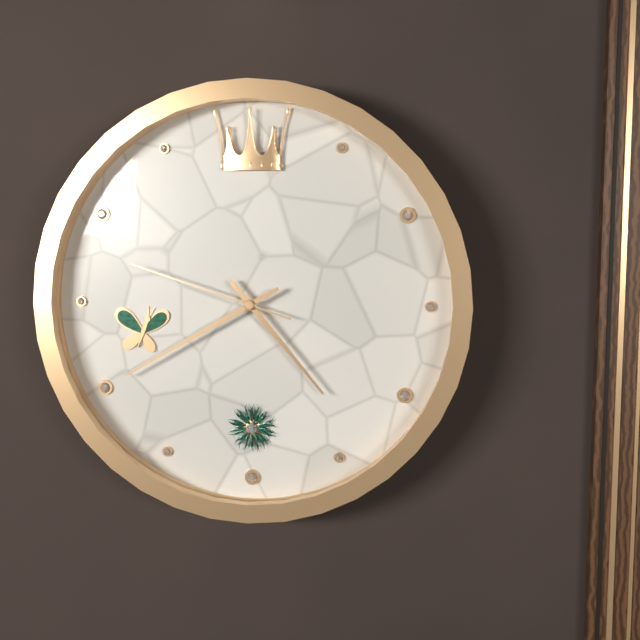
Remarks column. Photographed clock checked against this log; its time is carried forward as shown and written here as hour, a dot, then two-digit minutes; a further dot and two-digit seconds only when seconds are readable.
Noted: 4.40.48
